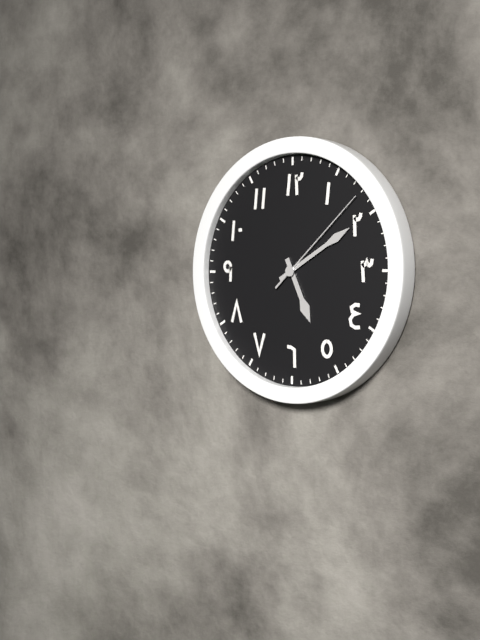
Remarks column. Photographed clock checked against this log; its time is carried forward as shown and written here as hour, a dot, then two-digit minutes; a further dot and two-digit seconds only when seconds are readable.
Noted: 5.10.08
